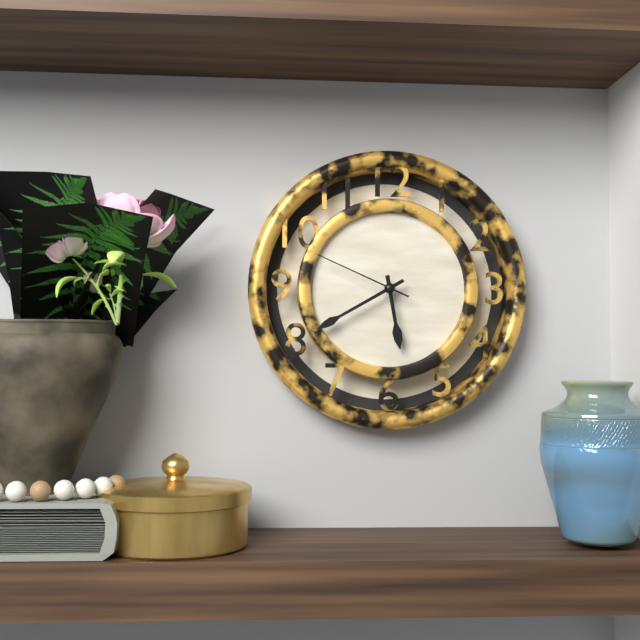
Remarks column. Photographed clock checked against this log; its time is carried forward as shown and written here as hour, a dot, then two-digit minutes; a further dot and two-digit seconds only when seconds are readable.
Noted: 5.40.49
